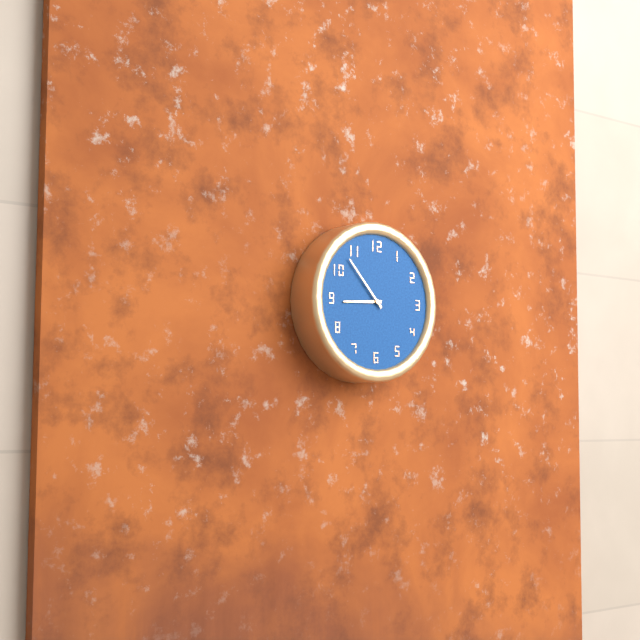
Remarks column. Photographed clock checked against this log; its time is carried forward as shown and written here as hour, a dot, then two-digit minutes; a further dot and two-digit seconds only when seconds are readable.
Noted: 8.53
